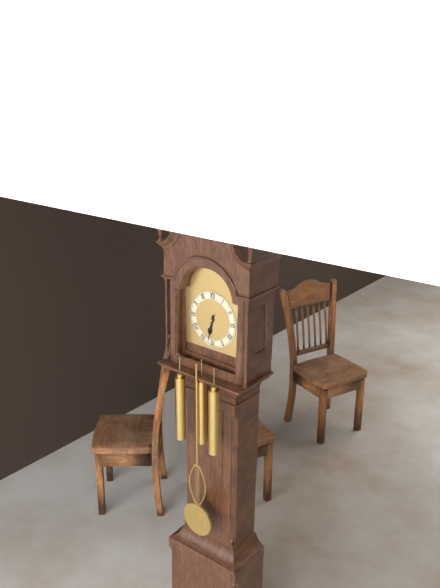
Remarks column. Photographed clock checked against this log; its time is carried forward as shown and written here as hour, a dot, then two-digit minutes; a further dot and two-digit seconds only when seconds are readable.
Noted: 6.32
